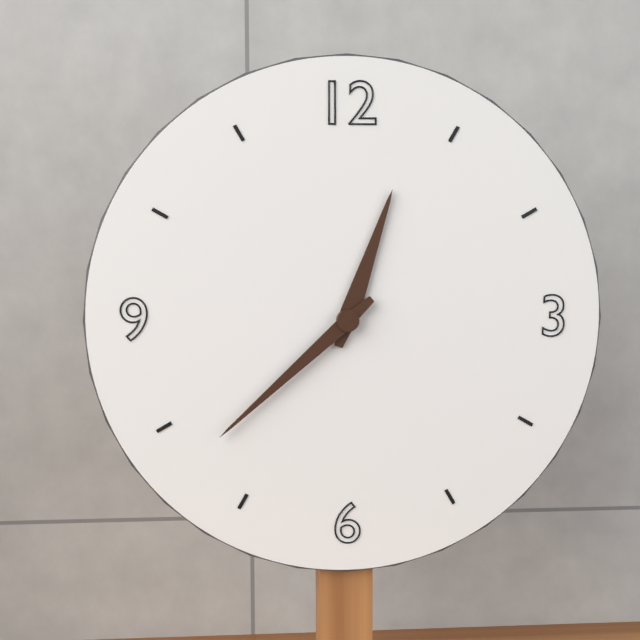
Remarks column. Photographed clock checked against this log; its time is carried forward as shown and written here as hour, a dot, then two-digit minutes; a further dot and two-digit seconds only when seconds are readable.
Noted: 12.38
